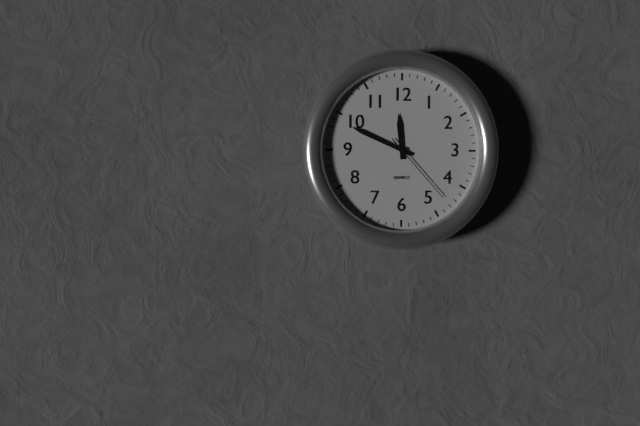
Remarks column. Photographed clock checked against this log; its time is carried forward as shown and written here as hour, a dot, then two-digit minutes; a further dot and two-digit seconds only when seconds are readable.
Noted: 11.49.23
